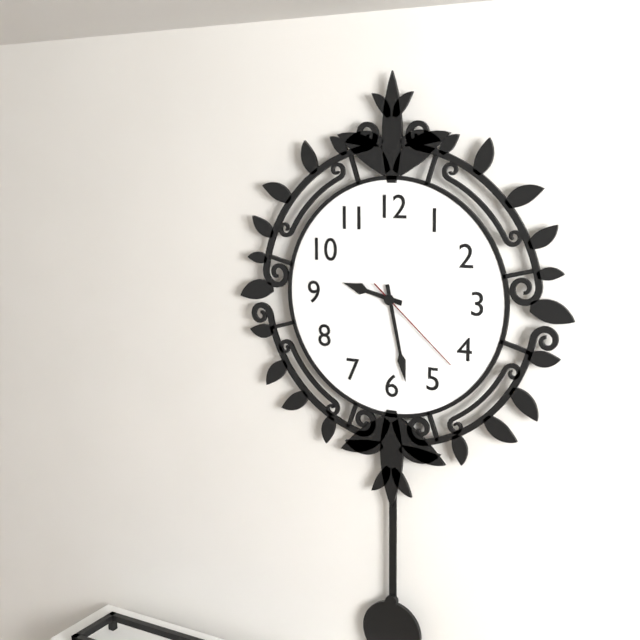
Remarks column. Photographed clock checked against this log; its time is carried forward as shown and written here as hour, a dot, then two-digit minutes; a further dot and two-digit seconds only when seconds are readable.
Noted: 9.28.22
